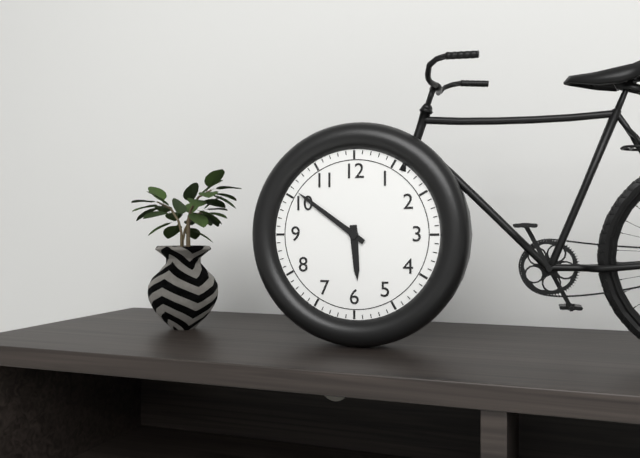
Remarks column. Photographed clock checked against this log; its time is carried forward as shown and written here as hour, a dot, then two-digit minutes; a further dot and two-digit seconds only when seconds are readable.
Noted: 5.51
